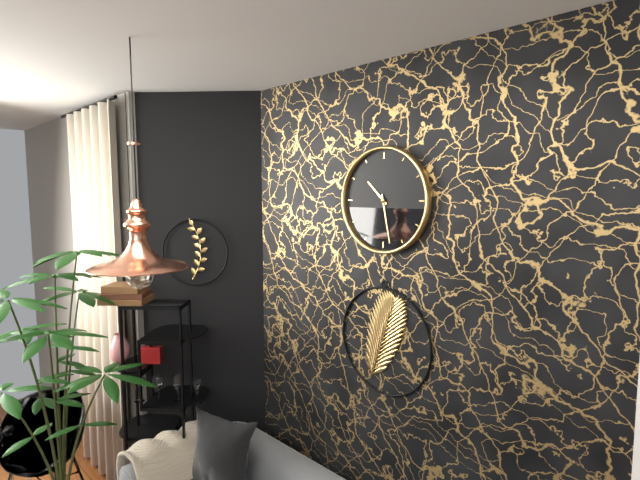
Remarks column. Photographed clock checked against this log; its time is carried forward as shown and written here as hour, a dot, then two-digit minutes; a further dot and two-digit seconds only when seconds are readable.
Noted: 10.28
